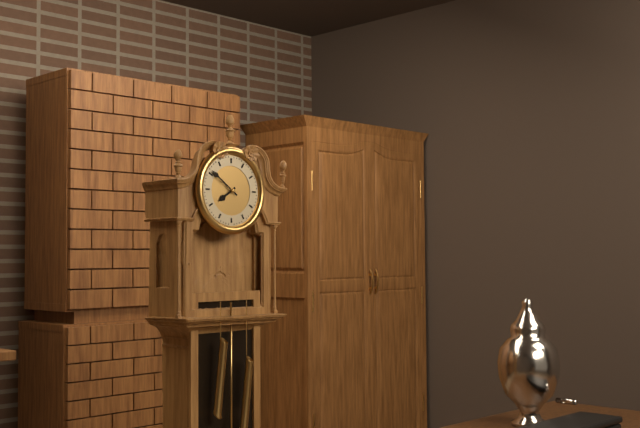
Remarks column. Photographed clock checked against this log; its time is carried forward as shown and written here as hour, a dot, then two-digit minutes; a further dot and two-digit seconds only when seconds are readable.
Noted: 7.51
